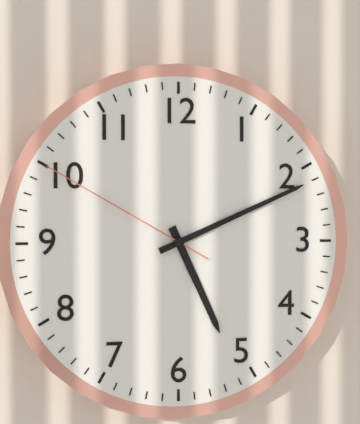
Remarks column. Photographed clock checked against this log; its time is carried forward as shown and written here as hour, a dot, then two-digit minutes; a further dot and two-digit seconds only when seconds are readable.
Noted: 5.11.50
